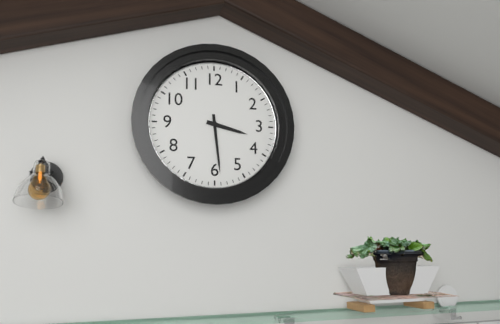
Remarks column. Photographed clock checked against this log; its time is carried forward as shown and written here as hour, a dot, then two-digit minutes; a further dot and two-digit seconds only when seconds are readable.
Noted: 3.29
